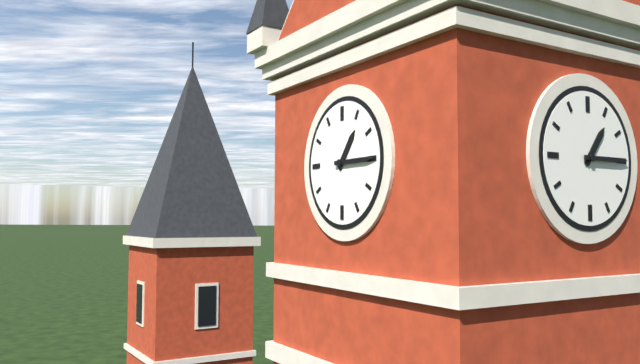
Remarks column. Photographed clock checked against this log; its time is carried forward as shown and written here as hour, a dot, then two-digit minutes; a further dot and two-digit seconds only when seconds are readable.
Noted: 1.15
